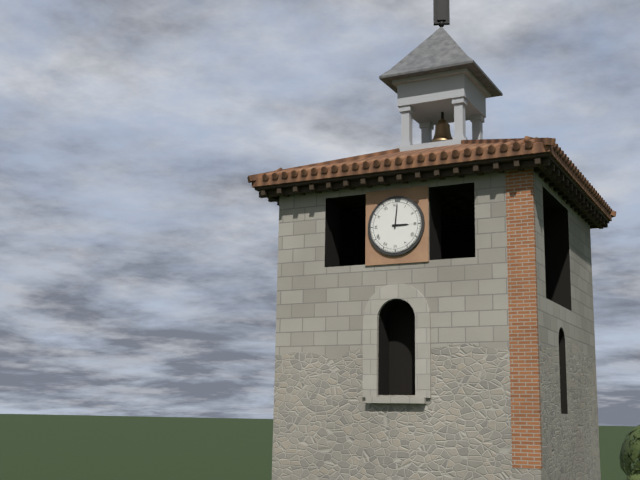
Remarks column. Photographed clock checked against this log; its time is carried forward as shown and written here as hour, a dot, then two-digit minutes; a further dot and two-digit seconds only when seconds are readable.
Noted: 3.01
